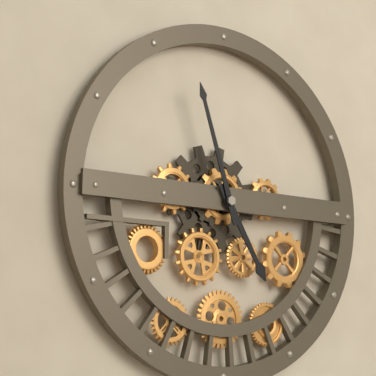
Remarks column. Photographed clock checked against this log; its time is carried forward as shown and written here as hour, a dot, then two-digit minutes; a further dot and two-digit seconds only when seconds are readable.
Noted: 4.57
